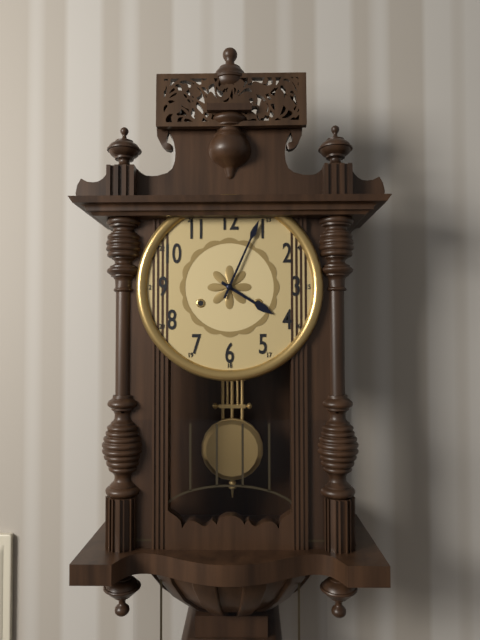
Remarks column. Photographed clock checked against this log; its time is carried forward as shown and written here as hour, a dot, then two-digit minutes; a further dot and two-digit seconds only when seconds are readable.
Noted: 4.04
